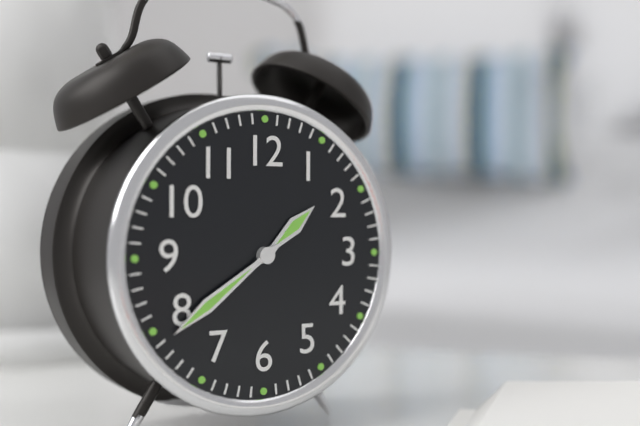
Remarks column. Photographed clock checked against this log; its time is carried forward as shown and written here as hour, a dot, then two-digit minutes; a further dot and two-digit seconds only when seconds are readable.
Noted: 1.39
